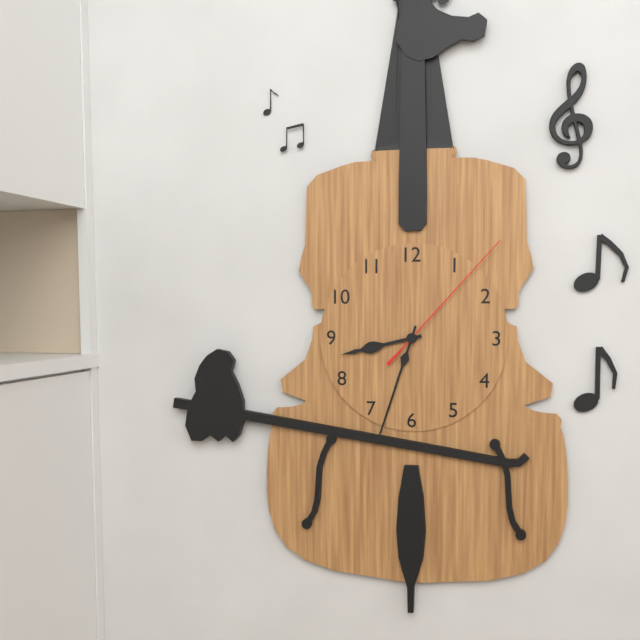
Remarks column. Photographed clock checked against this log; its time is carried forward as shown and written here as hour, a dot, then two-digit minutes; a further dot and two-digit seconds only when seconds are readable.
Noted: 8.33.07
